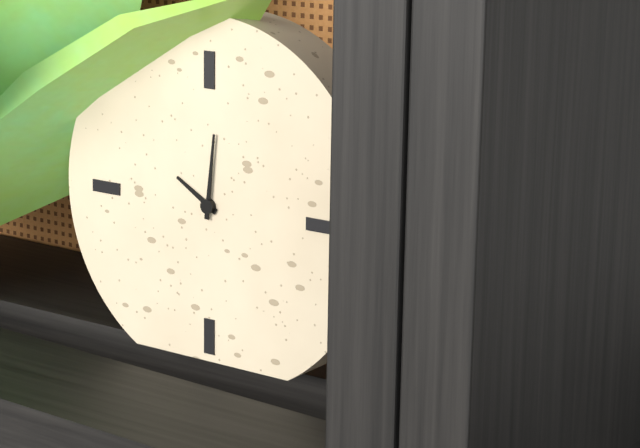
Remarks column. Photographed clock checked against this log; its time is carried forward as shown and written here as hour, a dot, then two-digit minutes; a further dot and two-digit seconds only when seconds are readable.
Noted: 10.01
